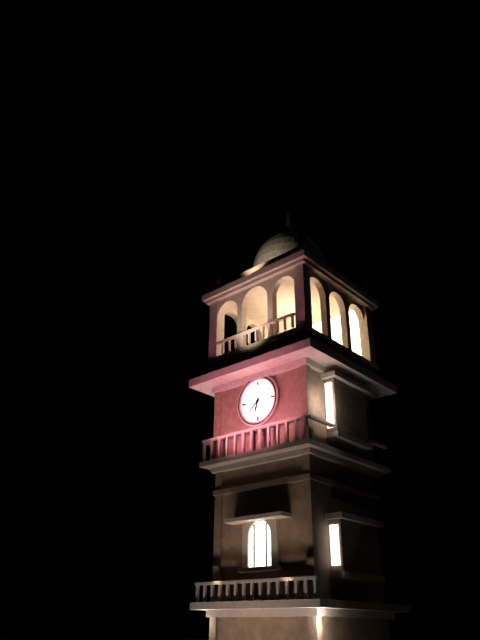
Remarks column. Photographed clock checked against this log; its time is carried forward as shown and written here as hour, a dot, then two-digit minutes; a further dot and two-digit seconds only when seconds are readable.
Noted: 6.38
